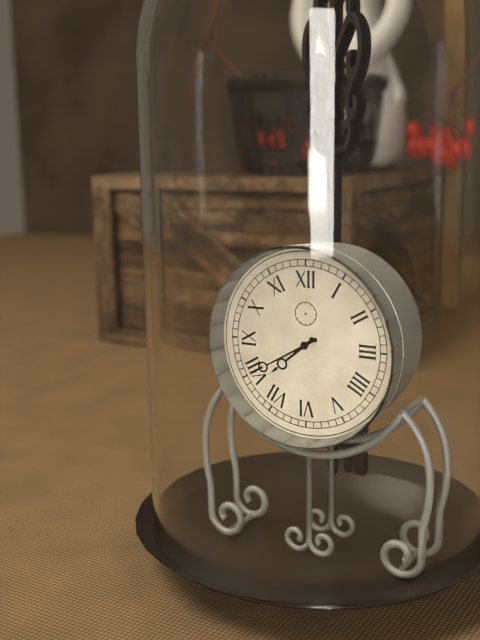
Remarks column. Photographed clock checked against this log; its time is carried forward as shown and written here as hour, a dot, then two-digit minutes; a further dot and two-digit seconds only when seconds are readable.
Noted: 7.40
